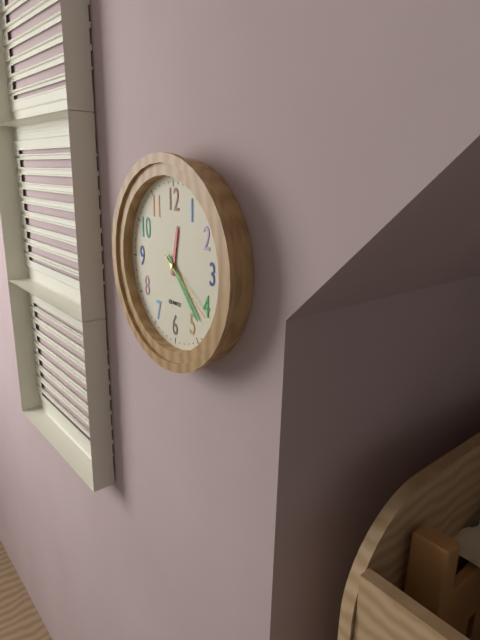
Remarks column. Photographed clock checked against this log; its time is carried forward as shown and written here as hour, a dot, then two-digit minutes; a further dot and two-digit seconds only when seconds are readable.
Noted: 12.23.21
